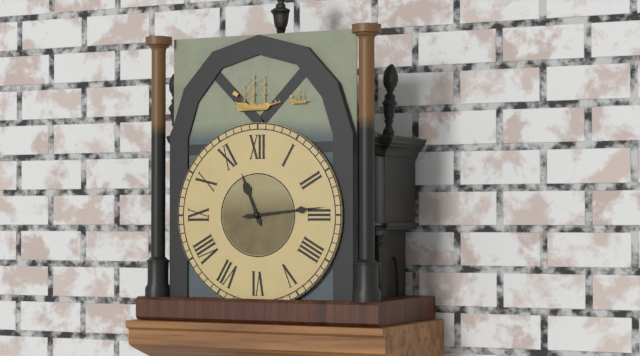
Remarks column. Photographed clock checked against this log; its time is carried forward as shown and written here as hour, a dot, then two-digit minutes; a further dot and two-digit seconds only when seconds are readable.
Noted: 11.14
